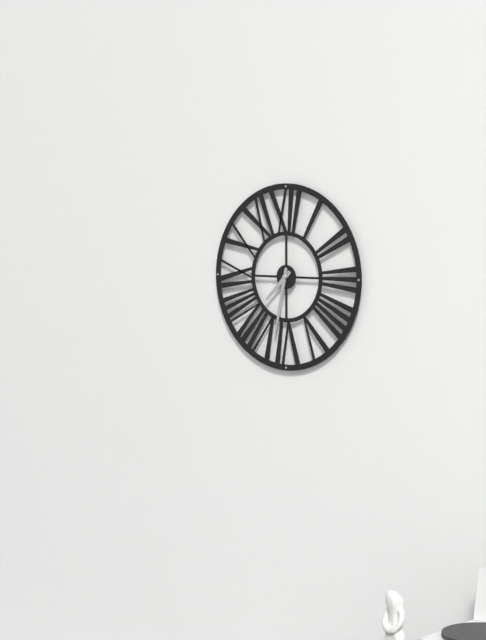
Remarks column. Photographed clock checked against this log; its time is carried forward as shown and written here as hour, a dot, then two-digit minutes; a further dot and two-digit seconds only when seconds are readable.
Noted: 7.32
